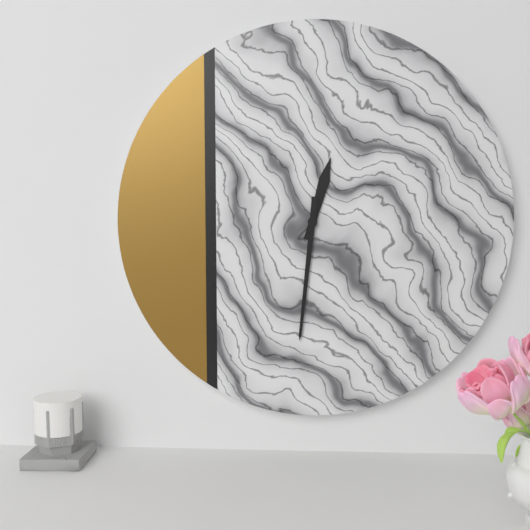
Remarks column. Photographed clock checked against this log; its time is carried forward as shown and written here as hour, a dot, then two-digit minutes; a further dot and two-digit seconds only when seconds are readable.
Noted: 12.31
